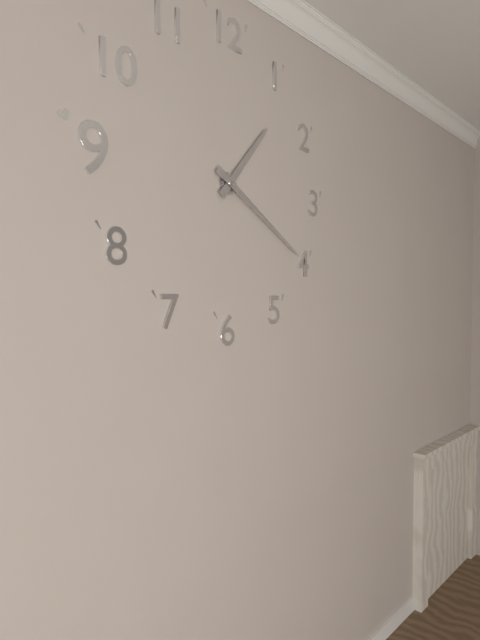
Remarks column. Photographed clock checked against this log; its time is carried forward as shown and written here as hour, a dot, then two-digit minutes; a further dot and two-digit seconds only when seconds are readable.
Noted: 1.20
